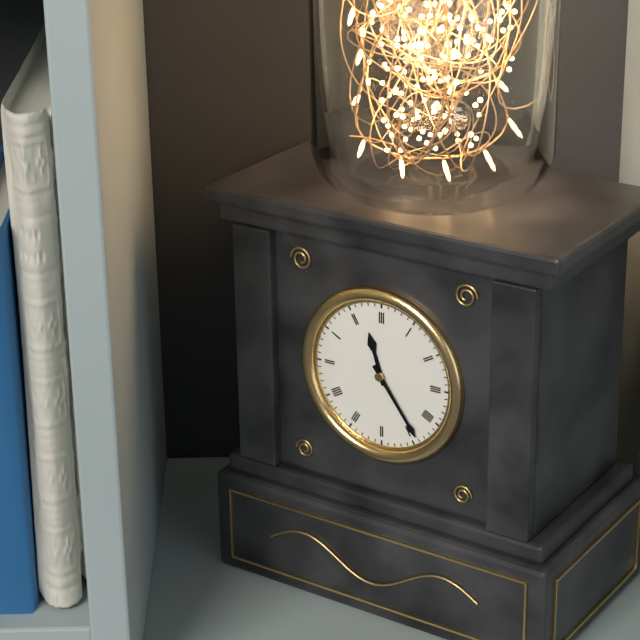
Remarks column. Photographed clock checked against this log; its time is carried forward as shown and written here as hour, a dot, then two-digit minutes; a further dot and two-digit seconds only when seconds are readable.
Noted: 11.24
